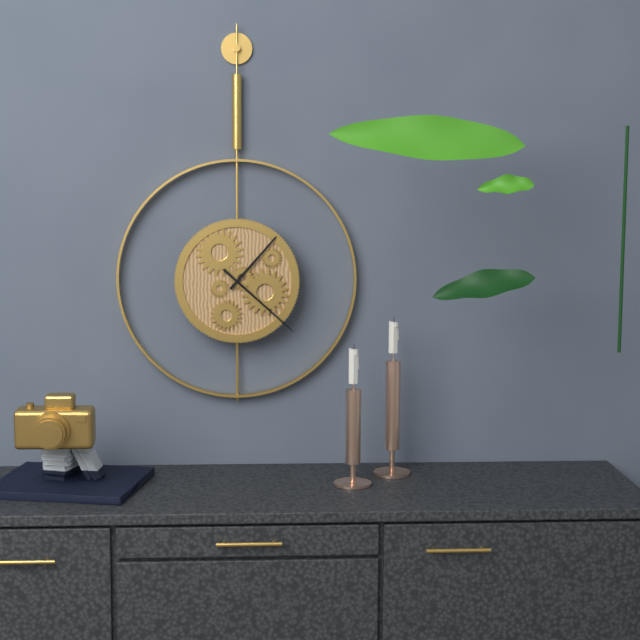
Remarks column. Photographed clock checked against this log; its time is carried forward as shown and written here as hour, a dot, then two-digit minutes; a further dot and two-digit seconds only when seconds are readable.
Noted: 1.22
